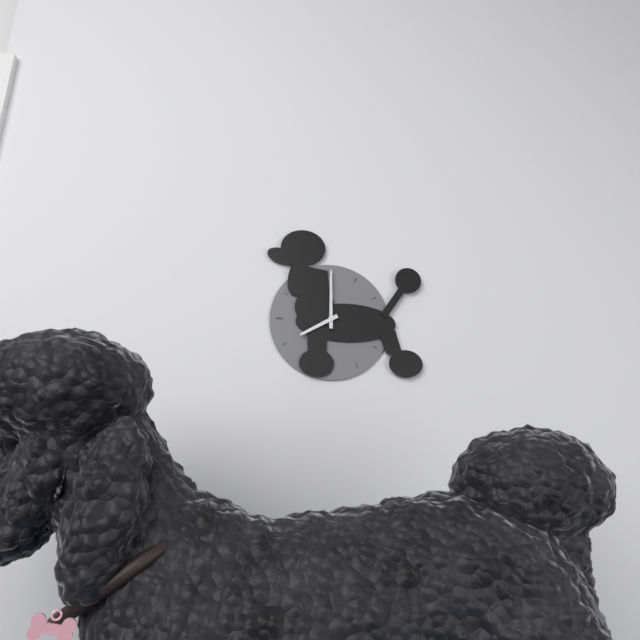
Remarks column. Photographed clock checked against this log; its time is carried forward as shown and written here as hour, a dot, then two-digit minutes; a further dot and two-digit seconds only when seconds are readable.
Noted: 8.00
